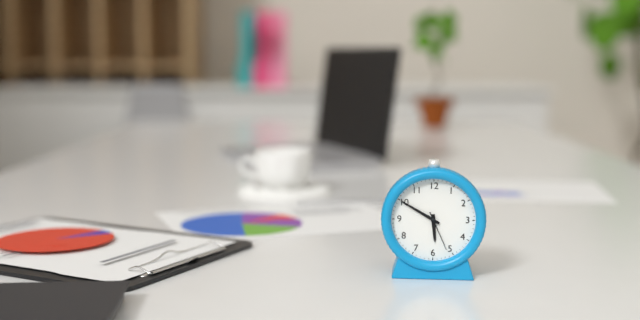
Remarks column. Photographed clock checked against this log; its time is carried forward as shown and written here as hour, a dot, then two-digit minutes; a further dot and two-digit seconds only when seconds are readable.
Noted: 5.50
